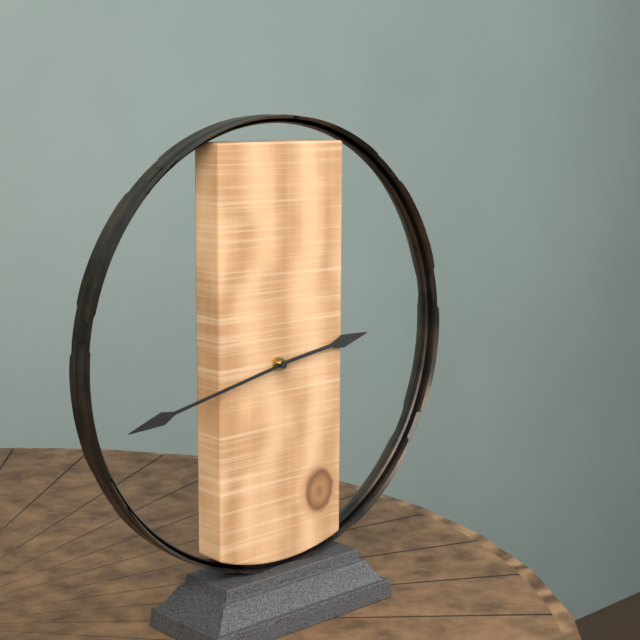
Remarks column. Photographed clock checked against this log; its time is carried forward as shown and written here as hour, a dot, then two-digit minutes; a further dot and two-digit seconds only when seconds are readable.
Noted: 2.43
